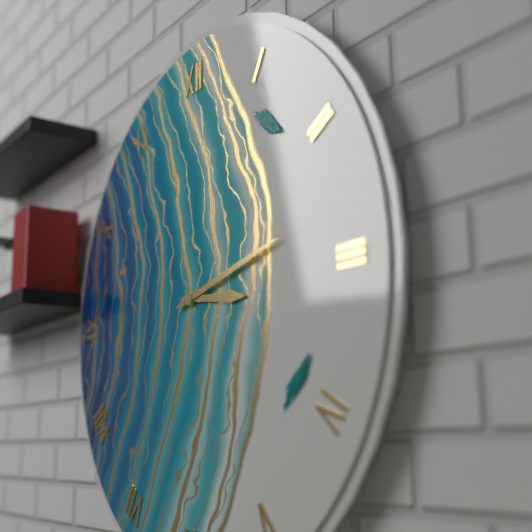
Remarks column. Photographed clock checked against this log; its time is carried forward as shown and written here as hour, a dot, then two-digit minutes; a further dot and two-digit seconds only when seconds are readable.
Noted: 3.13
